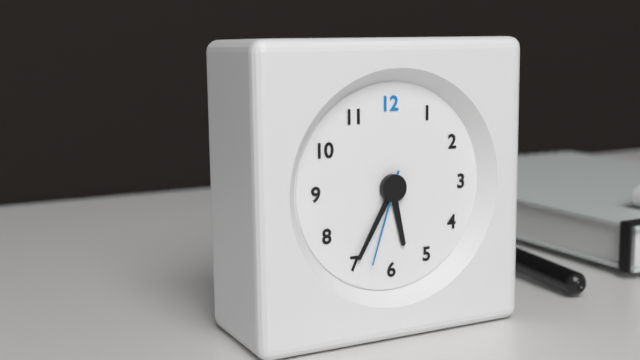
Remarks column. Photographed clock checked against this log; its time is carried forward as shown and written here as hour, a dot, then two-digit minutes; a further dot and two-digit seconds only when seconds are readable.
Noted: 5.35.33
